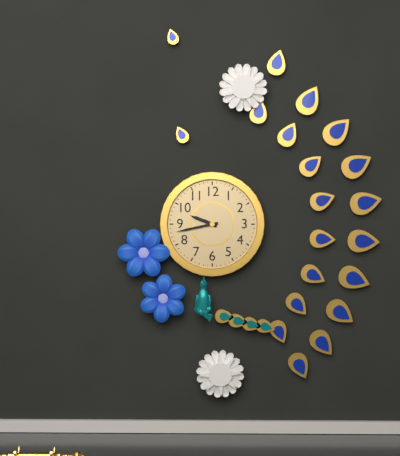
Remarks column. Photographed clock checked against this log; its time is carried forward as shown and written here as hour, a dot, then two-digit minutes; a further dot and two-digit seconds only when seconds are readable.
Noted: 9.43
